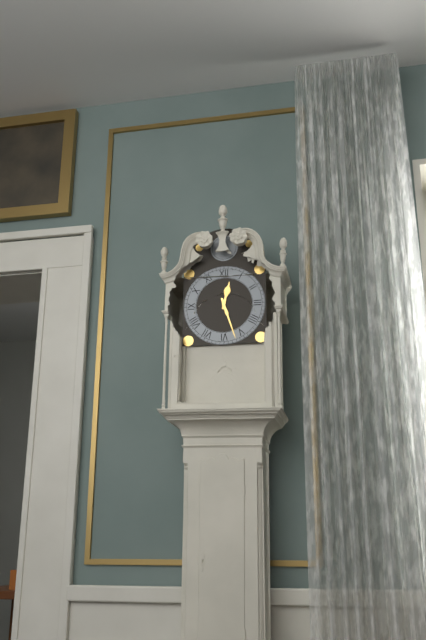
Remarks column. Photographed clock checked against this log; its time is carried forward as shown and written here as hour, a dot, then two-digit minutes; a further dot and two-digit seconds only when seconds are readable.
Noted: 12.27
